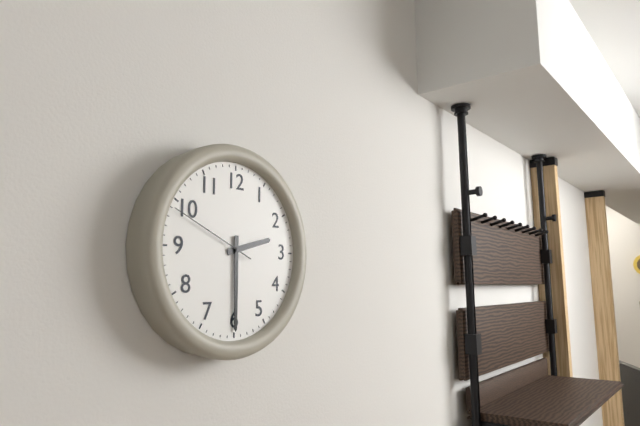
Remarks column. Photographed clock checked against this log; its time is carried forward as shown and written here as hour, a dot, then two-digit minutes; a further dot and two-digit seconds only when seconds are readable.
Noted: 2.30.49
